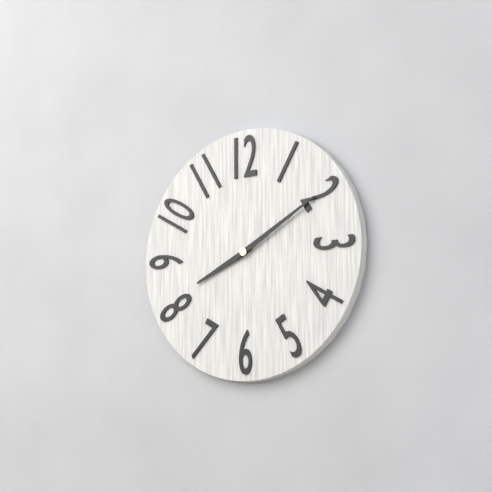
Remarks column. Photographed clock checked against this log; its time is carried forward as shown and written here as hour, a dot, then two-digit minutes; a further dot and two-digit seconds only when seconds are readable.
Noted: 8.10
